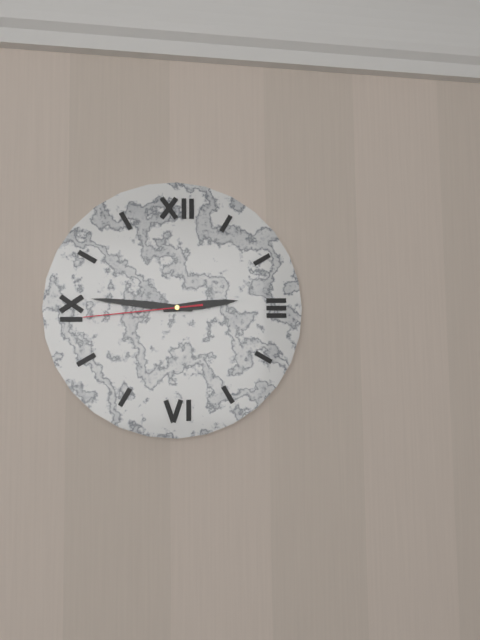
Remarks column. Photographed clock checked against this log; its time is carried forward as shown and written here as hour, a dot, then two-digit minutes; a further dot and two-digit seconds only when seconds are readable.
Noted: 2.46.44
